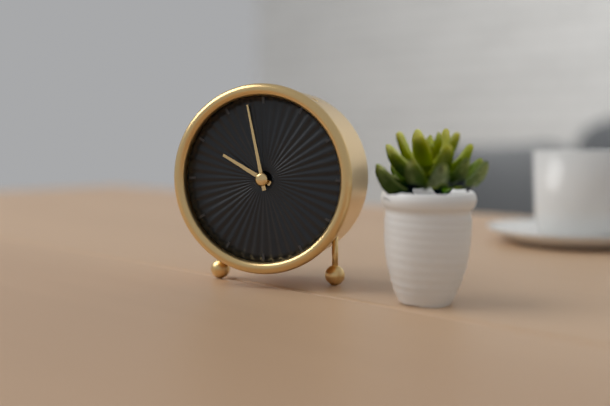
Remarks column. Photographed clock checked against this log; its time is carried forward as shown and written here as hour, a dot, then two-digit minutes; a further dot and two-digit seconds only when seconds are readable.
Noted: 9.58
